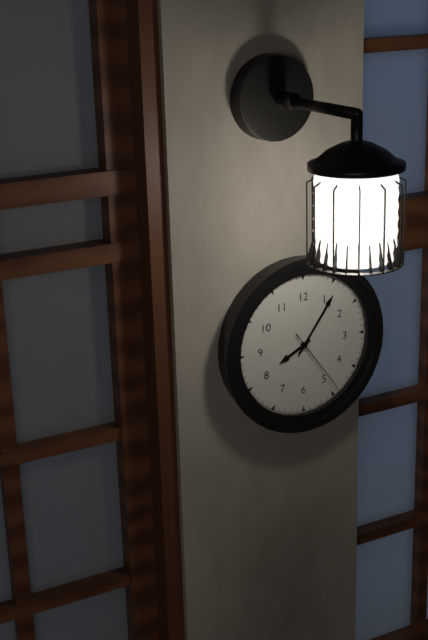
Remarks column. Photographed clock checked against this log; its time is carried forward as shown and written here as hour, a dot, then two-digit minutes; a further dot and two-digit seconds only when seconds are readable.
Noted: 8.06.24
